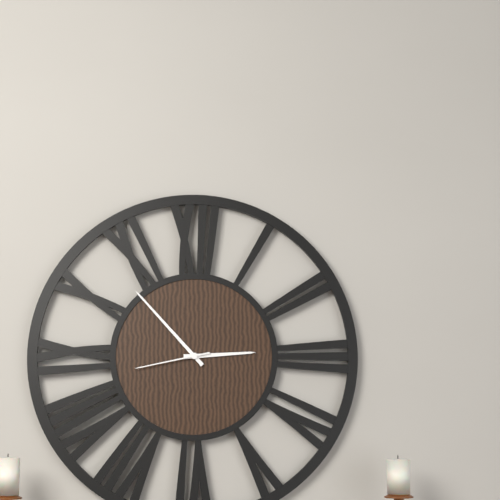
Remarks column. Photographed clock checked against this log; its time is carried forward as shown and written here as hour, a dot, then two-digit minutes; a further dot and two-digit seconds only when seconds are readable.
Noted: 2.53.43
